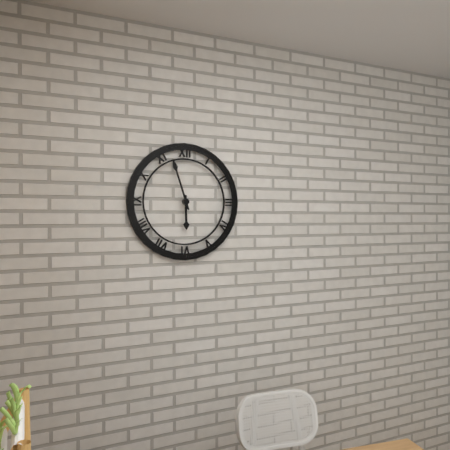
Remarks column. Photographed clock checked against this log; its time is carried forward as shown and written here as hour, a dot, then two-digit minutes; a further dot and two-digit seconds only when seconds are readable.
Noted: 5.57
